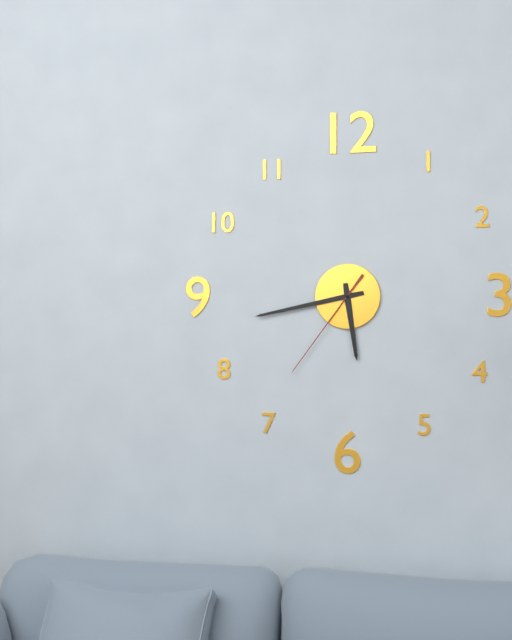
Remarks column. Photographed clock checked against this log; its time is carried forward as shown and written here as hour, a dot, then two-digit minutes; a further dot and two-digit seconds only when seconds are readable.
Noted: 5.43.36
